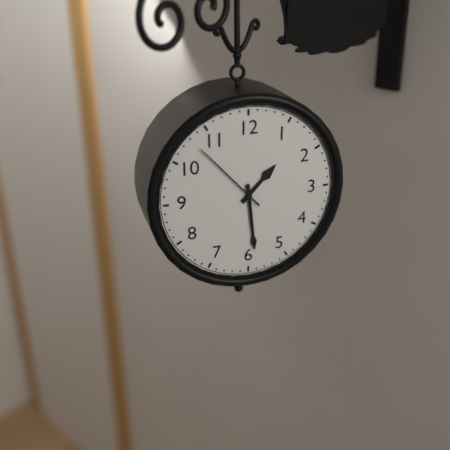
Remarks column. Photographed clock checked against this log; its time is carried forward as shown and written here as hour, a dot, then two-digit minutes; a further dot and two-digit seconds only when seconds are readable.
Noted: 1.29.53
